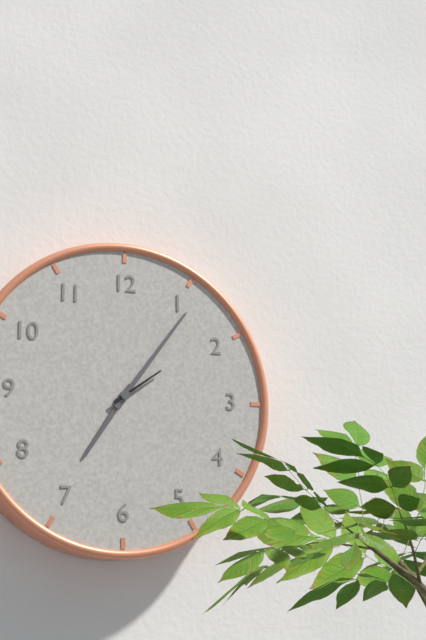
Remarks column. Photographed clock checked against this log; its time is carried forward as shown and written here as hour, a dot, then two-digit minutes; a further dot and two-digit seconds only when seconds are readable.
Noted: 7.06.09
